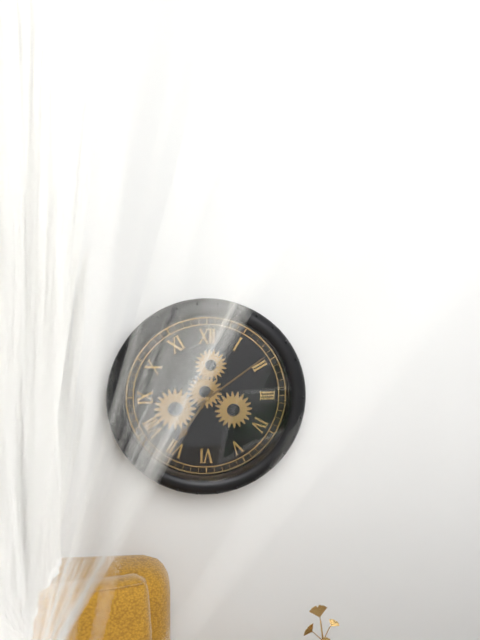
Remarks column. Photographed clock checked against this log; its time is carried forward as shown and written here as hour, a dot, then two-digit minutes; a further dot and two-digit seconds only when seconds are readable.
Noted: 7.09
